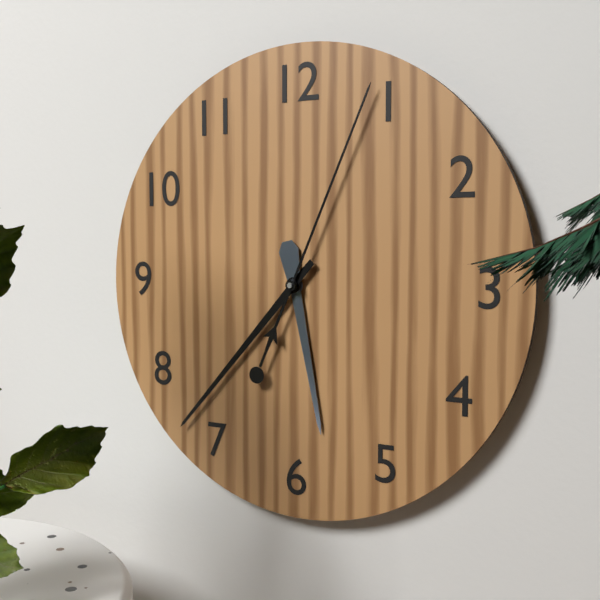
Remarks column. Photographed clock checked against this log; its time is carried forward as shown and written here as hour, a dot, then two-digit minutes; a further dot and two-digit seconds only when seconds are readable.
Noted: 5.37.04
